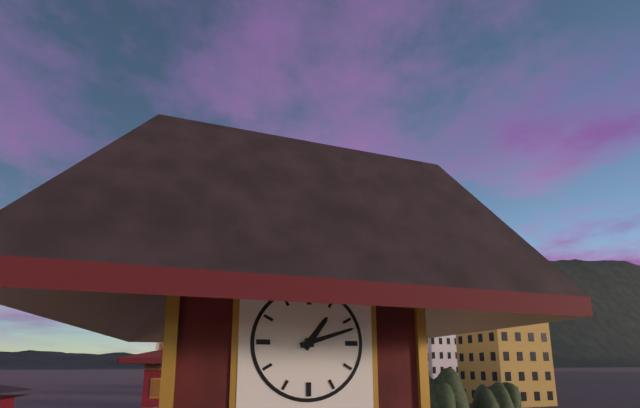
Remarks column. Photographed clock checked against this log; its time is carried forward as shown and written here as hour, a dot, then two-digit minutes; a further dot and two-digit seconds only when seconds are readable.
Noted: 1.12
